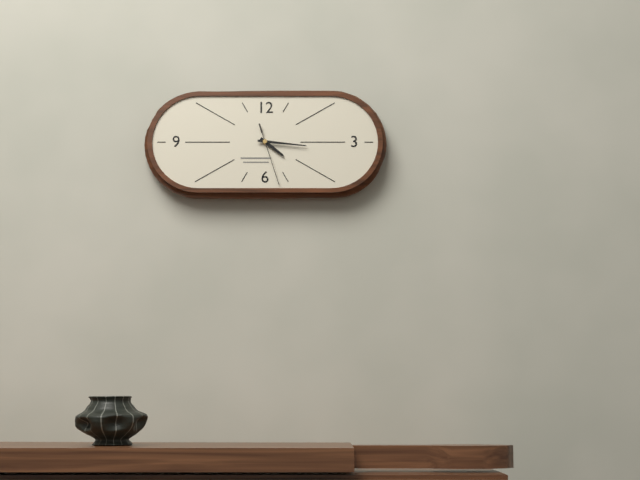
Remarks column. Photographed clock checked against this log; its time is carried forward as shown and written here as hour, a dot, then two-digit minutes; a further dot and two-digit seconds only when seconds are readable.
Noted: 4.16.27
